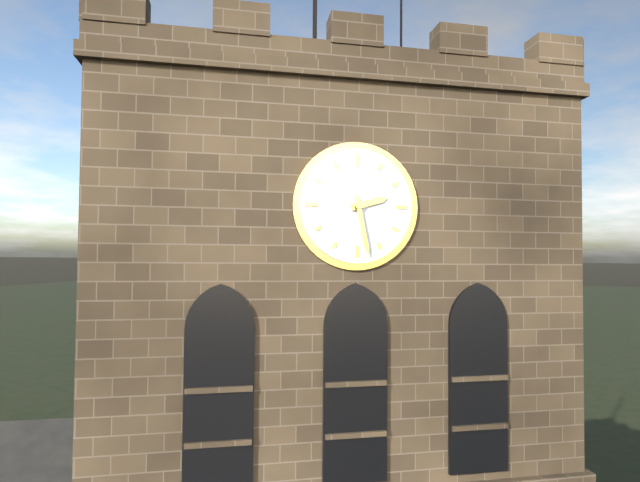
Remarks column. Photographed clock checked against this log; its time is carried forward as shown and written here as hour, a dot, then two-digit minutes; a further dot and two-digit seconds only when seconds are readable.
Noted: 2.28
